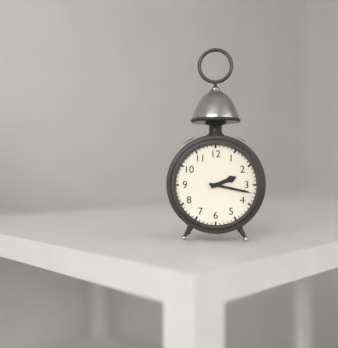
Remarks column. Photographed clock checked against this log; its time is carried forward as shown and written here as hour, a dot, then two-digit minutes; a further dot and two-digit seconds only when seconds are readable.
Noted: 2.17
